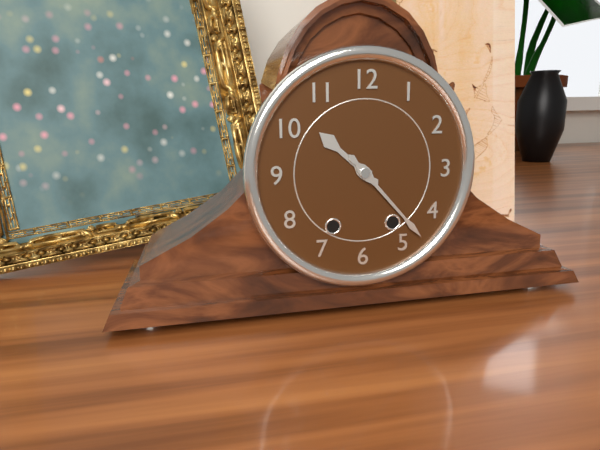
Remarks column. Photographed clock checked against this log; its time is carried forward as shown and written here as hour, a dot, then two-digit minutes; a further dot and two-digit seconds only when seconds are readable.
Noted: 10.23
